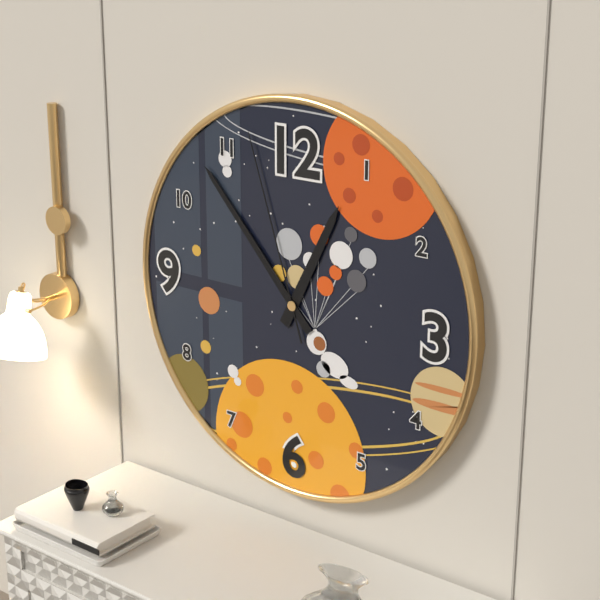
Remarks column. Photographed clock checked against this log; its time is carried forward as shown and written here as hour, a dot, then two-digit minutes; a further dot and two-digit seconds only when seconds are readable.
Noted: 12.53.57
